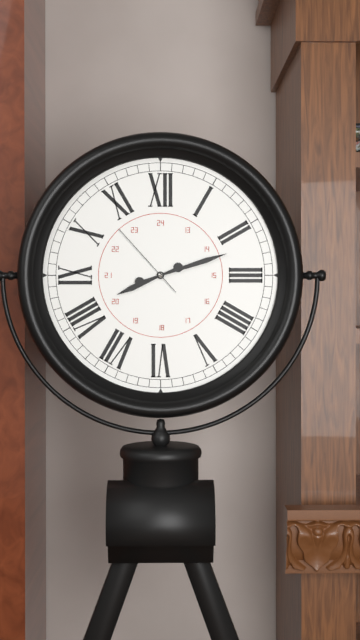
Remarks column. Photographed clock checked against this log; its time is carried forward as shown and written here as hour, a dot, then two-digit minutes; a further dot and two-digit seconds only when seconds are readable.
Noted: 8.12.53
